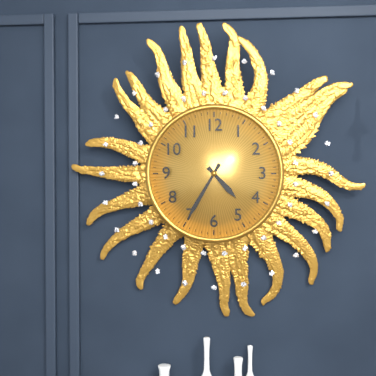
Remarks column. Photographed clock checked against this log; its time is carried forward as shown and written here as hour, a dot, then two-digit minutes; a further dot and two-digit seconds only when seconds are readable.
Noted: 4.35
